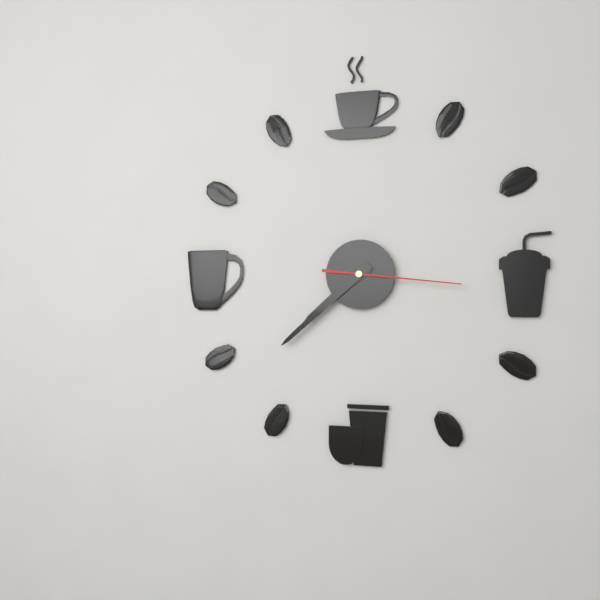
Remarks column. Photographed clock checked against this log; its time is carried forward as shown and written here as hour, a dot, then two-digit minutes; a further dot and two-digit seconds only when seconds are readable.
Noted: 7.38.16
